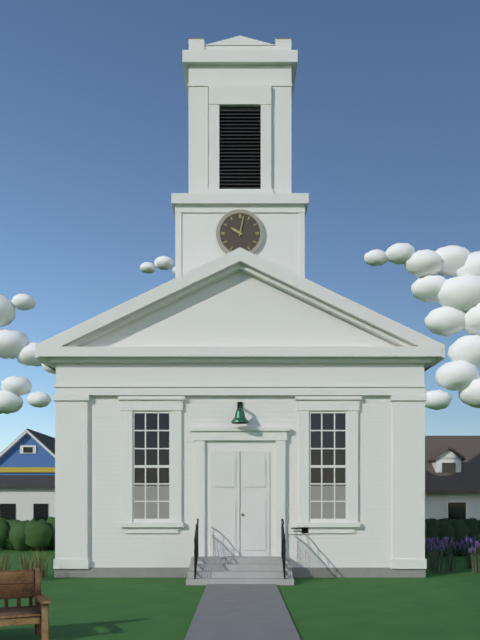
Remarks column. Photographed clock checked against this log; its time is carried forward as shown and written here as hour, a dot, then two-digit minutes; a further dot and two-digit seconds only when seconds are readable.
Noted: 10.02
